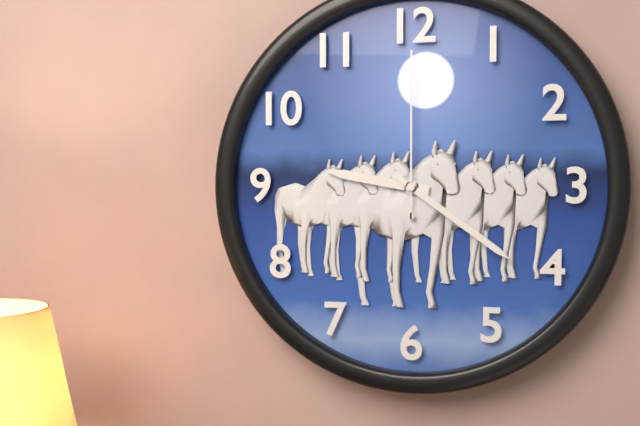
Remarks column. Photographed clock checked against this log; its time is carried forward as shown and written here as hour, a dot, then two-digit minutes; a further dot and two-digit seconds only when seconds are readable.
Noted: 9.21.00
